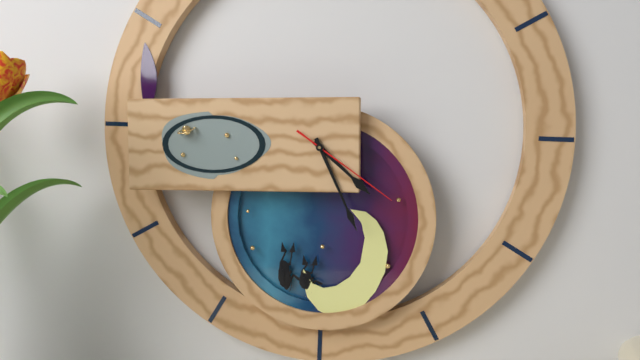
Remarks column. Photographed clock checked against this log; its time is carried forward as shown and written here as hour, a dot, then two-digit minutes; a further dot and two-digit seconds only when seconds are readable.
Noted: 4.26.21
